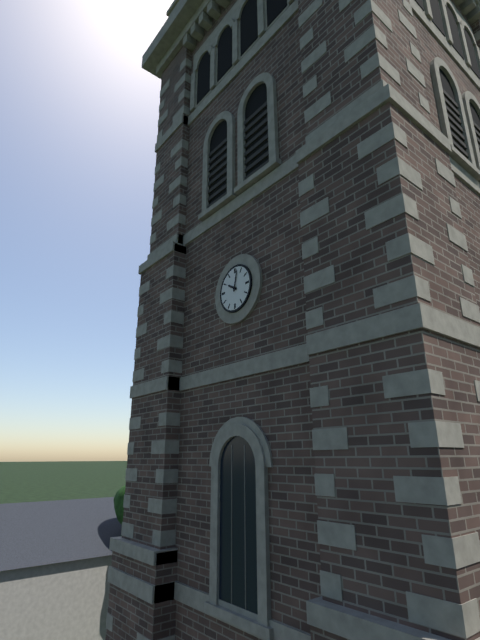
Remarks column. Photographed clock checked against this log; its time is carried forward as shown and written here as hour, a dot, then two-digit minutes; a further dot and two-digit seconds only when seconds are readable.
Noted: 10.02
